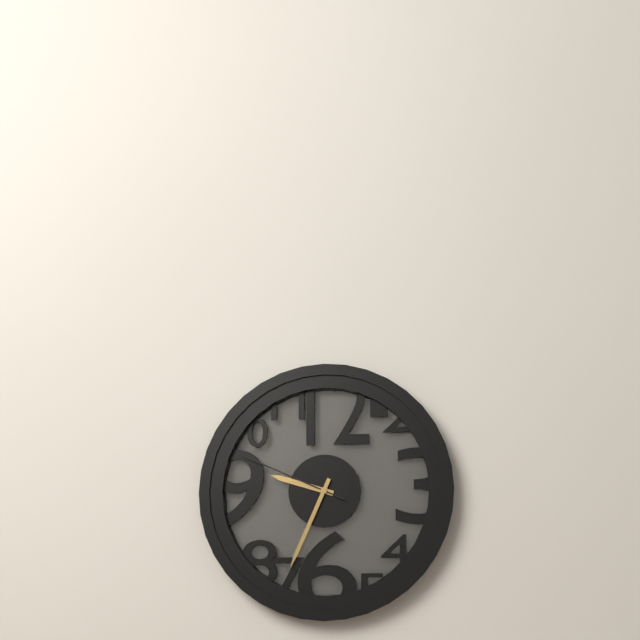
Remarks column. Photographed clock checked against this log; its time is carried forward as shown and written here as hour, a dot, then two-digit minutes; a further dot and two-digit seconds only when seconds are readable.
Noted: 9.34.49
